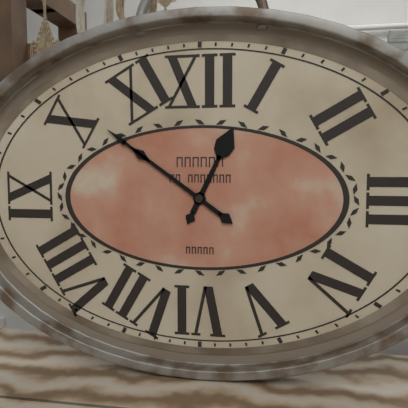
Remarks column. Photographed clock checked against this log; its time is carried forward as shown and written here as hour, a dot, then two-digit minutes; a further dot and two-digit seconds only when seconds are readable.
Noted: 12.51
